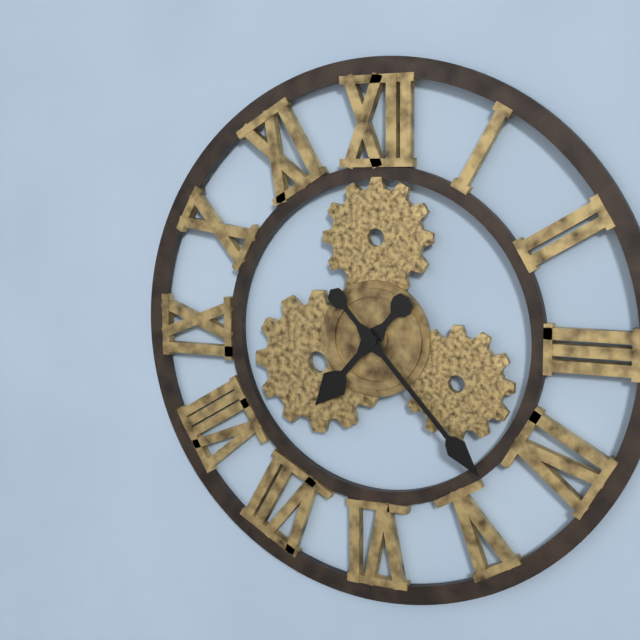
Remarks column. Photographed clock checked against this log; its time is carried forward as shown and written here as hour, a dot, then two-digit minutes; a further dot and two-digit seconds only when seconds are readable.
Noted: 7.23
